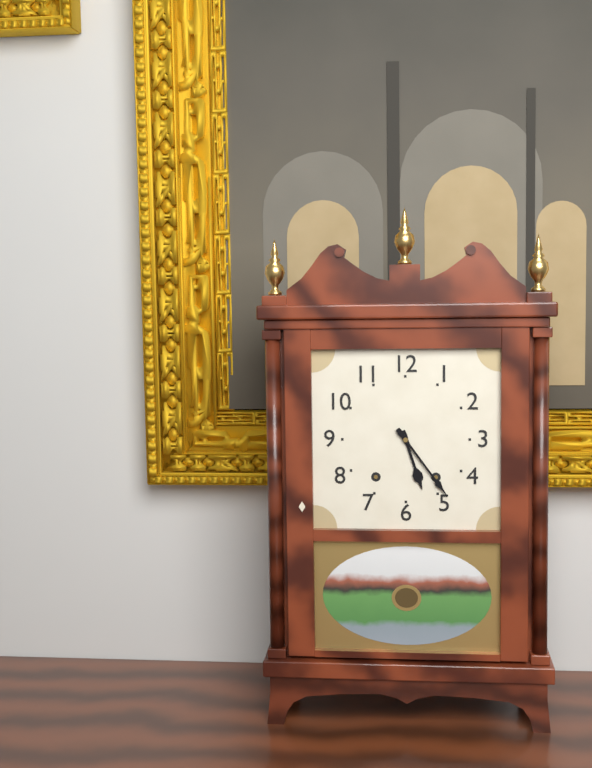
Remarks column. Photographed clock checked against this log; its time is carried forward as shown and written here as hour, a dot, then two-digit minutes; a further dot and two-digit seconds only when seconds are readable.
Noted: 5.24
